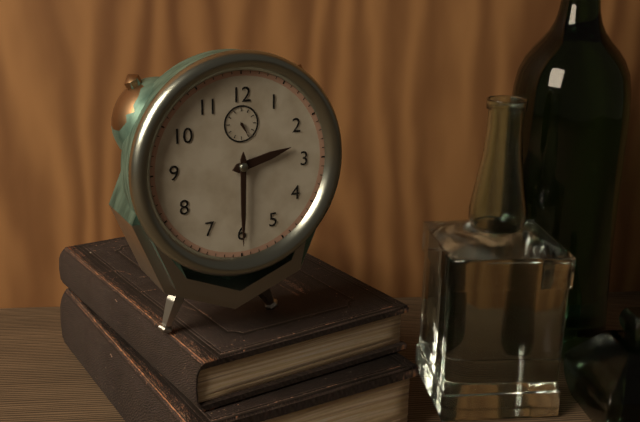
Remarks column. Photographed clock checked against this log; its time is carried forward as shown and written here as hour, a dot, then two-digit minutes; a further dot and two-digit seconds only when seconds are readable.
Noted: 2.30
